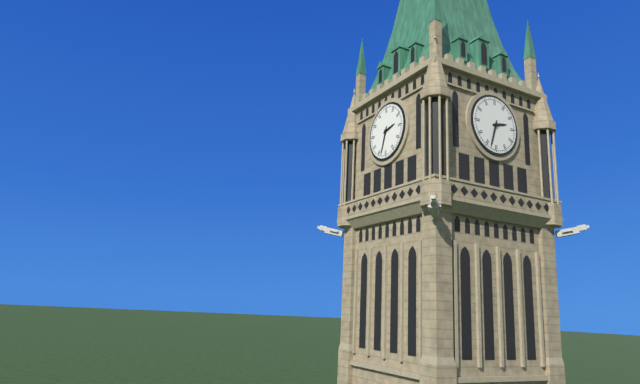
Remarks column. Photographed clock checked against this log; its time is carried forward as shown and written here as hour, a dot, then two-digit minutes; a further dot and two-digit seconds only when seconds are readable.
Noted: 2.33
